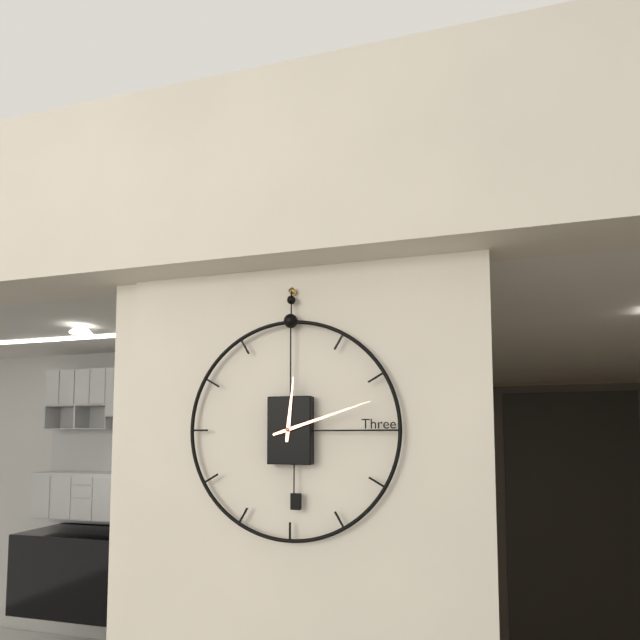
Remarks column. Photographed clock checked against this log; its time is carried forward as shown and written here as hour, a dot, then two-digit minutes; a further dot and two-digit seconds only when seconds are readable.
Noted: 12.12
